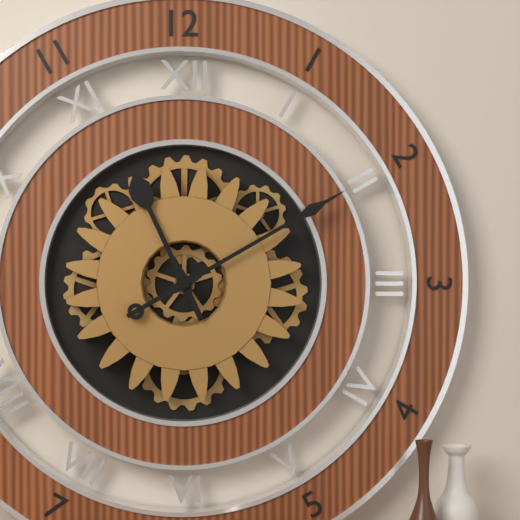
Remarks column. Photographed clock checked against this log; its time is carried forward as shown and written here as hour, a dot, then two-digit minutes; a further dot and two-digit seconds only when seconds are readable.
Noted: 11.10
